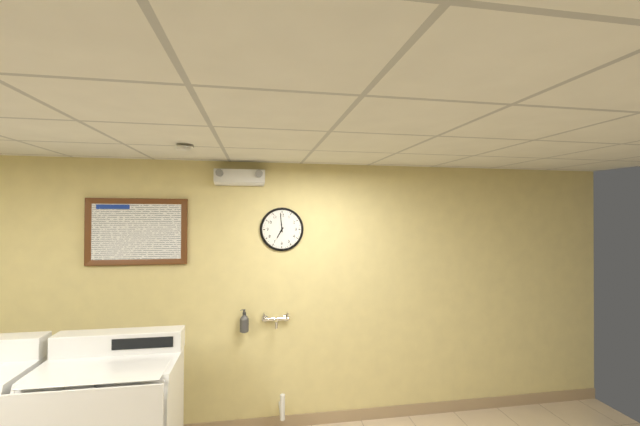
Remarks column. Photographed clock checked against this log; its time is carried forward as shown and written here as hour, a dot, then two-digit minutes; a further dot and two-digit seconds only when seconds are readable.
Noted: 6.59
